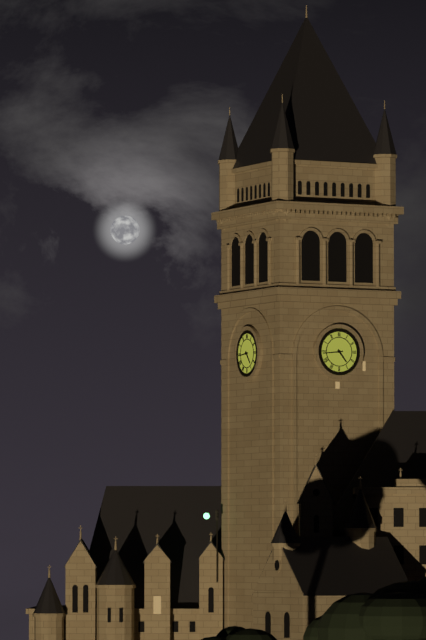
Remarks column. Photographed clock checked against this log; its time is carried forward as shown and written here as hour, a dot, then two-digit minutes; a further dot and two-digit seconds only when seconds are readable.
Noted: 4.44
